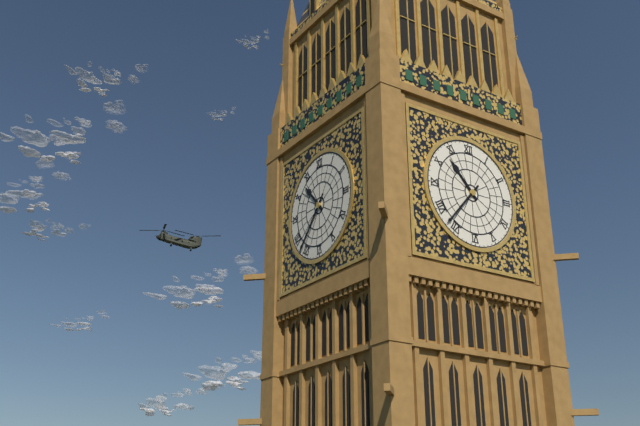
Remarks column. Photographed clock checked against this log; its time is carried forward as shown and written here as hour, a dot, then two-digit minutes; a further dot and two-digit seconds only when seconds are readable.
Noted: 10.37
